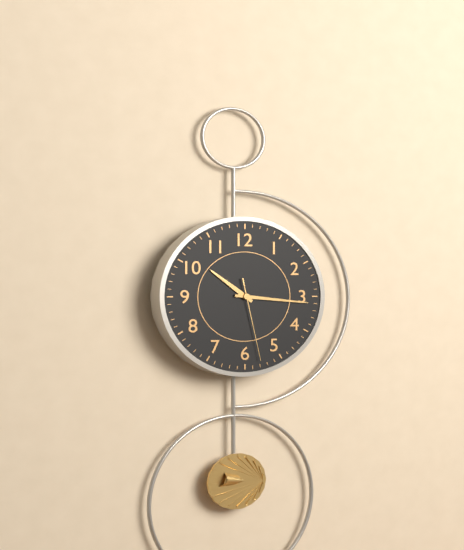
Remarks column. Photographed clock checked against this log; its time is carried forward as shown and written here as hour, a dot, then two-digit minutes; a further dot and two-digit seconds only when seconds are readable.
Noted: 10.16.28
